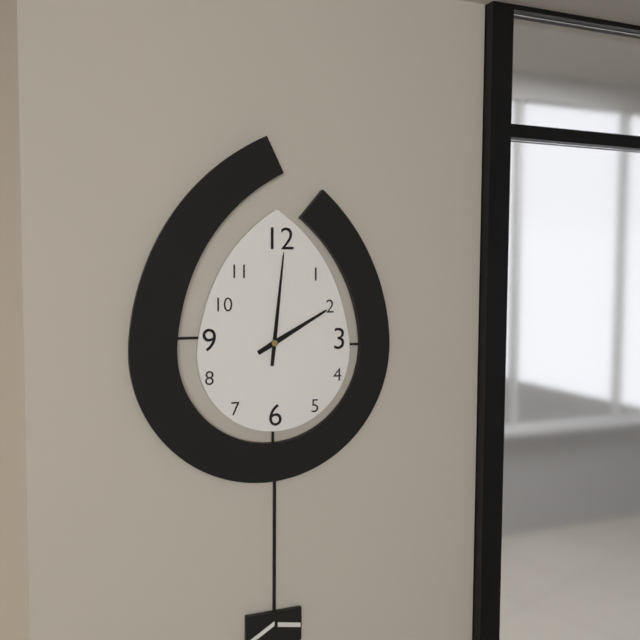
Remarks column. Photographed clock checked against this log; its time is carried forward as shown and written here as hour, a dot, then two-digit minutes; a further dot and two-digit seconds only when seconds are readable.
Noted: 2.01
